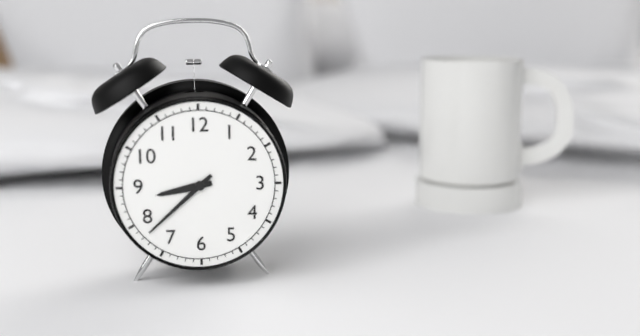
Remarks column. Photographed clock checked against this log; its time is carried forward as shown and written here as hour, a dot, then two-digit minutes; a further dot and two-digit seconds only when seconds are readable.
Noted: 8.38
